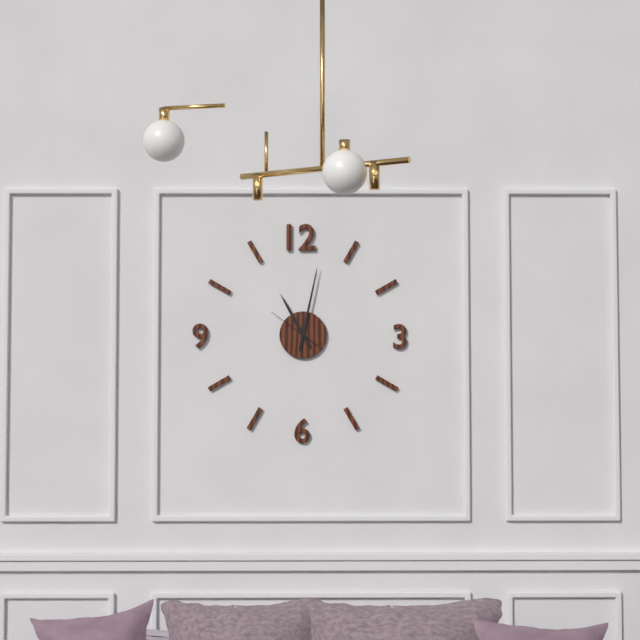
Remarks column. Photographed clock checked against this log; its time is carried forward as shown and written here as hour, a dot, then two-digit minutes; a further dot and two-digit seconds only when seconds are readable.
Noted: 11.02
